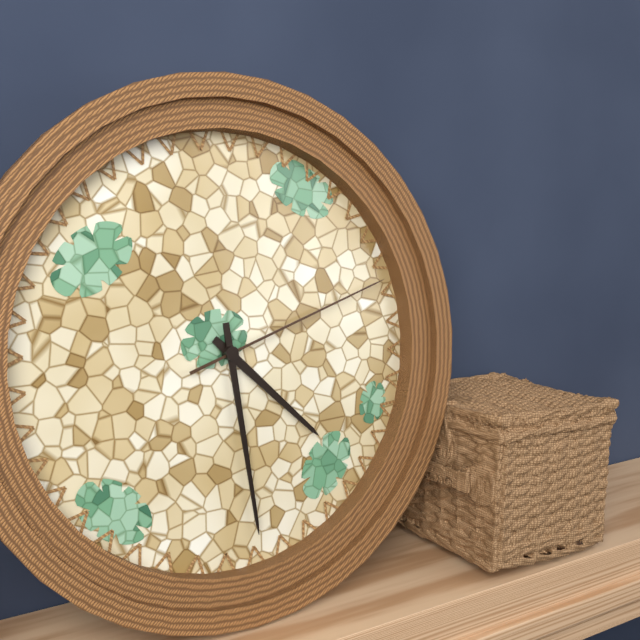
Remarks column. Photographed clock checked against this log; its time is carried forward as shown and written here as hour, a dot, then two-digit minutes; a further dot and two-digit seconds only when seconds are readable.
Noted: 4.29.12
